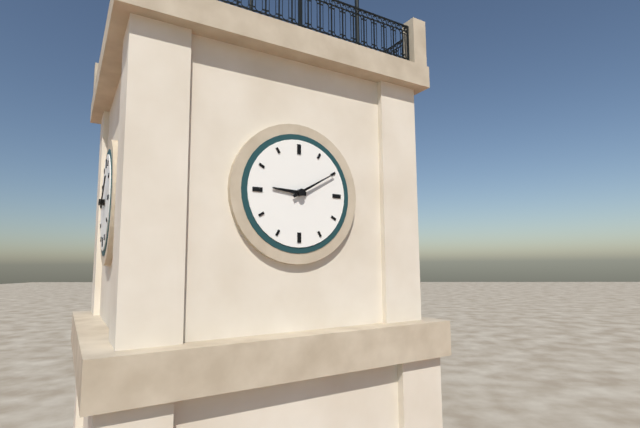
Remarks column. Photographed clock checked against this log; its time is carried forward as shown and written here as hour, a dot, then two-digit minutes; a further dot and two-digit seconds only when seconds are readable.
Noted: 9.10
